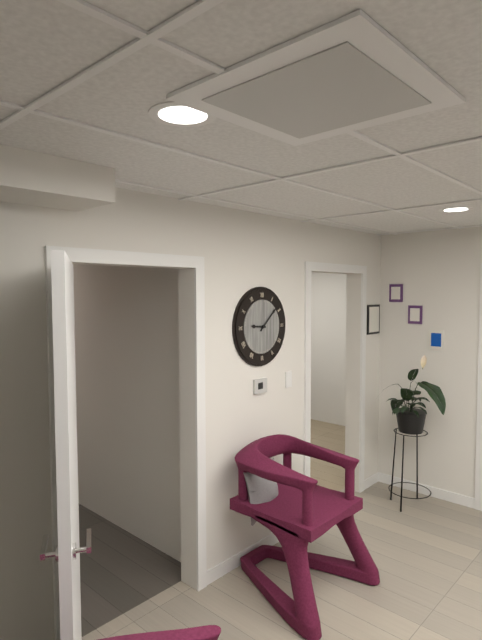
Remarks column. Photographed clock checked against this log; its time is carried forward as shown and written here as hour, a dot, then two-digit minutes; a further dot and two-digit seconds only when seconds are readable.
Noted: 9.08
